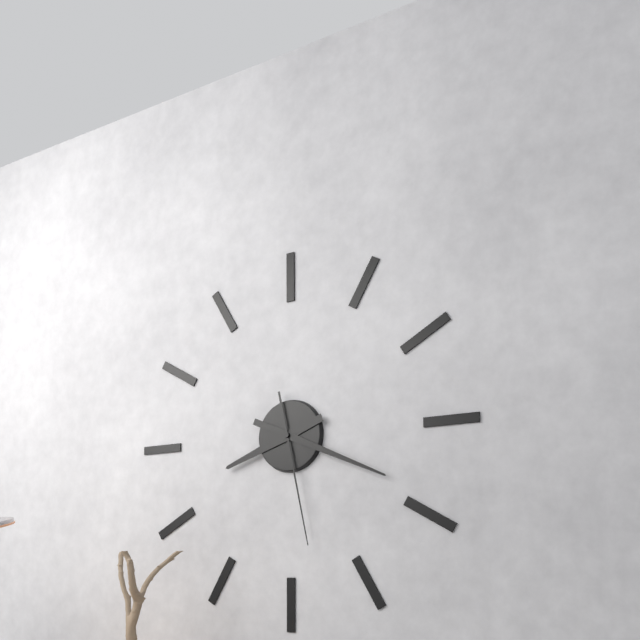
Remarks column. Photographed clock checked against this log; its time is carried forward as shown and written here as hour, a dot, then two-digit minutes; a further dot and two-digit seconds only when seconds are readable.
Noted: 8.19.28
